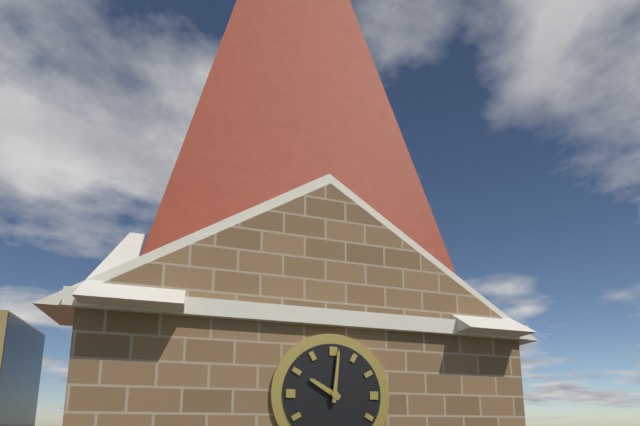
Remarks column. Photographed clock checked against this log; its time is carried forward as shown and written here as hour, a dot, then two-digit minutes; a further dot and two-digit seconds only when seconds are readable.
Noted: 10.01
